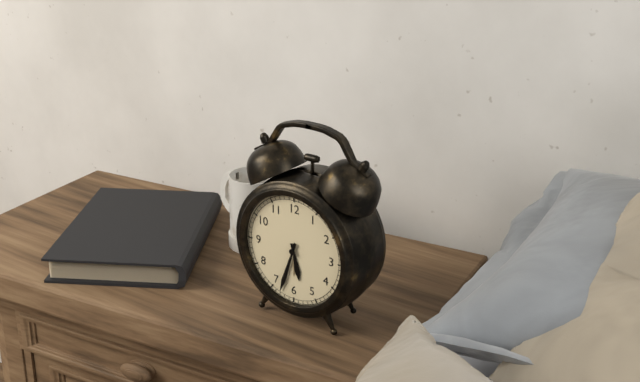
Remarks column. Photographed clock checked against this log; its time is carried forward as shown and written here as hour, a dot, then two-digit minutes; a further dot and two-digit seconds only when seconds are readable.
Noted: 5.33
